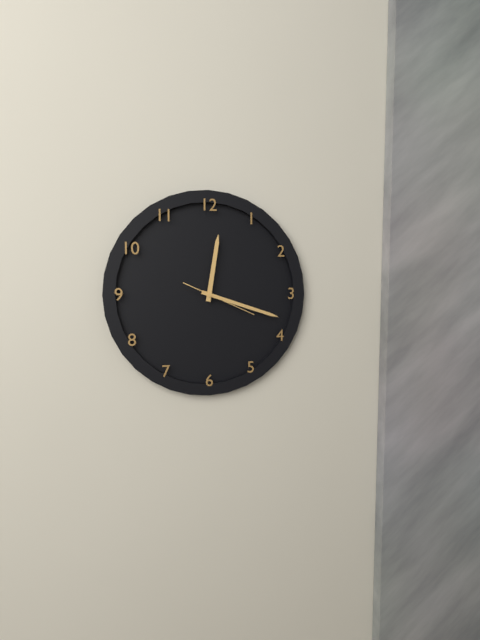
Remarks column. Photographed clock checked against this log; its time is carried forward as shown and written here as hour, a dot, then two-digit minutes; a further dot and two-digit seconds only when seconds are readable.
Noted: 12.18.19
